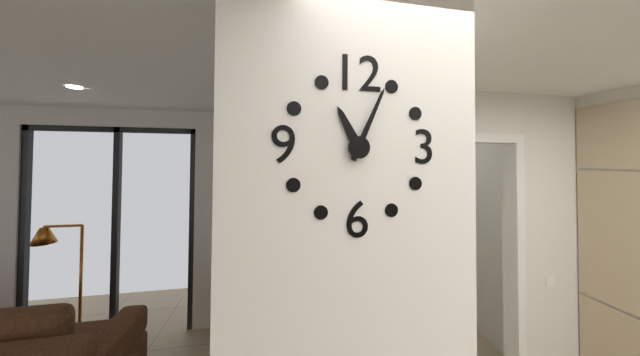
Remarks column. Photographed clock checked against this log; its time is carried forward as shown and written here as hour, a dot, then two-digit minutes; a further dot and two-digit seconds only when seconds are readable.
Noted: 11.04
